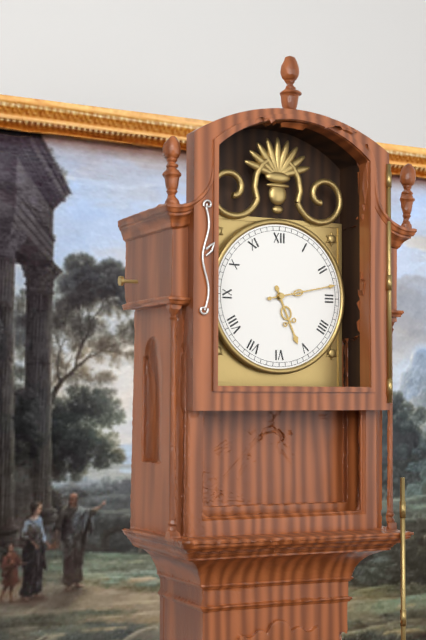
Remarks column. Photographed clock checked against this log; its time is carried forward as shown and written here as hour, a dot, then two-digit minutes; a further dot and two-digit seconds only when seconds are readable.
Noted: 5.13
